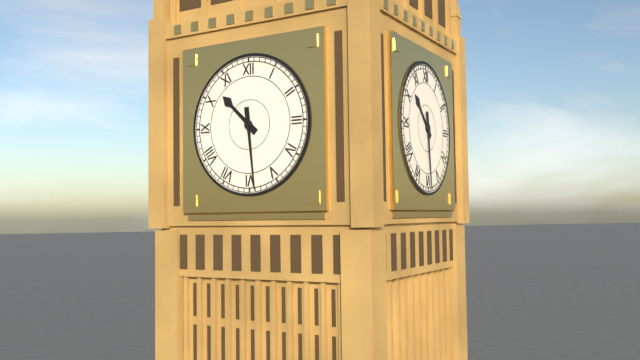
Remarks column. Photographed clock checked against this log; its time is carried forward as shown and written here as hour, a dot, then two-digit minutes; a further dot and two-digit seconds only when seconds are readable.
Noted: 10.29
